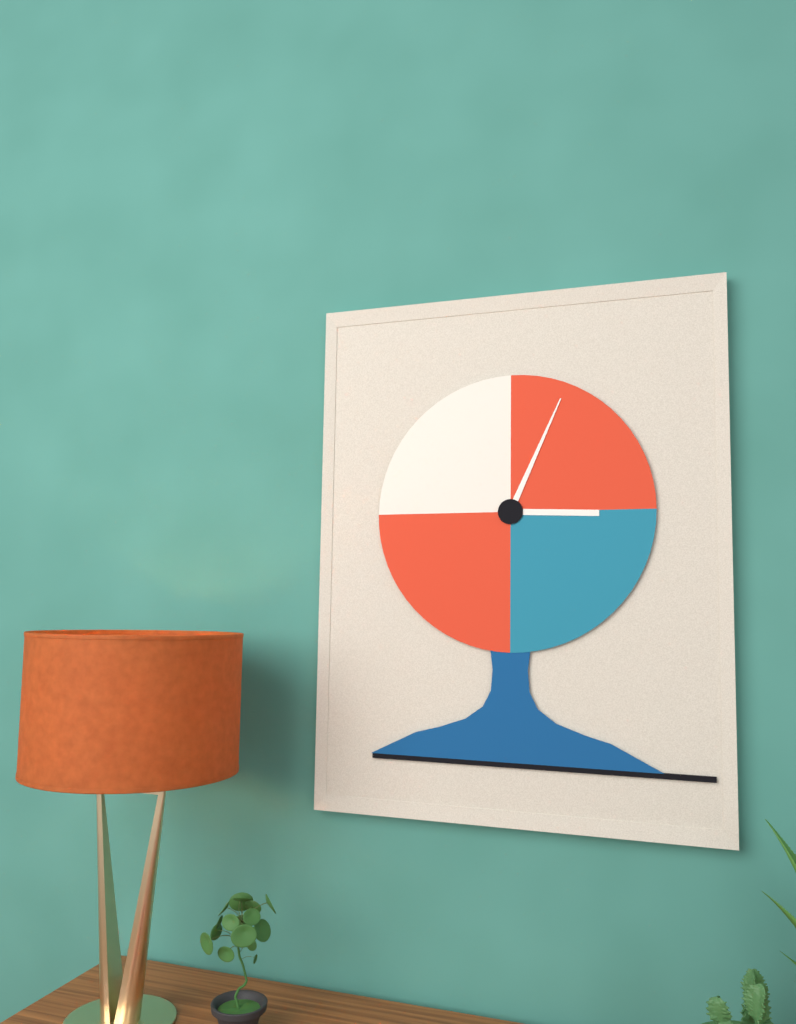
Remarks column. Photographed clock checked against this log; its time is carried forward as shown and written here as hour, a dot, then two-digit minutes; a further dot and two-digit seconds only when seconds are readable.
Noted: 3.04
